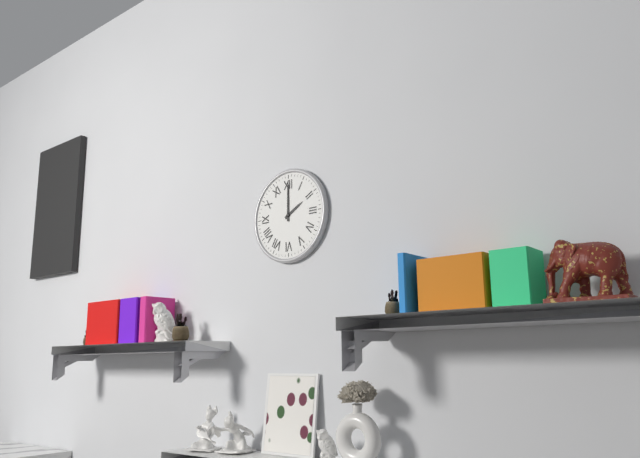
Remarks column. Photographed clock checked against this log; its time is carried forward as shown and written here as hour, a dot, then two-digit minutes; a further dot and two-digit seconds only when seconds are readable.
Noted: 2.00
